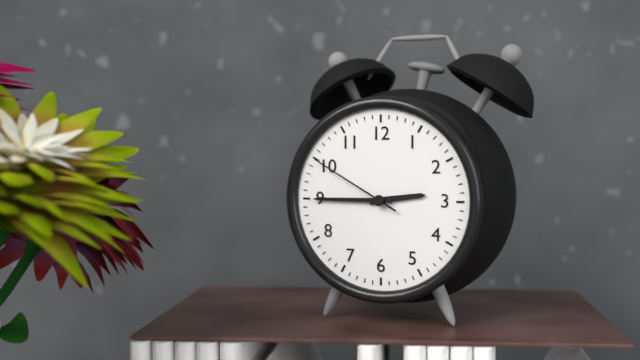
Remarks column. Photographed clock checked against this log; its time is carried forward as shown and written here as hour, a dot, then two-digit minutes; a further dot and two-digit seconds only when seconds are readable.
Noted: 2.45.50
